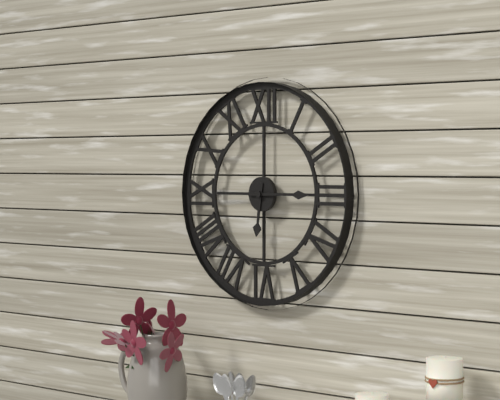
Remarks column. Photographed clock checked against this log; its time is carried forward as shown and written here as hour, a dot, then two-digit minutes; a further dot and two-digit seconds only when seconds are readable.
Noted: 6.15
